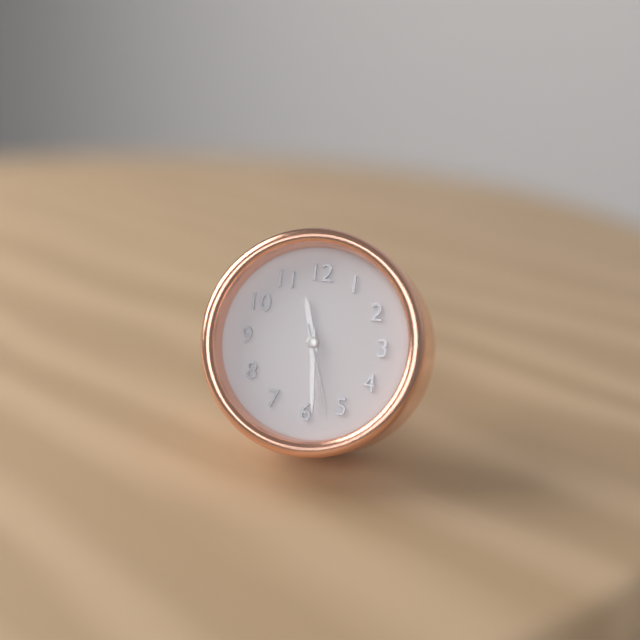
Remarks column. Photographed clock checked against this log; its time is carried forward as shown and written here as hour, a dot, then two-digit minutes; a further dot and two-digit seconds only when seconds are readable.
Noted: 11.29.27
